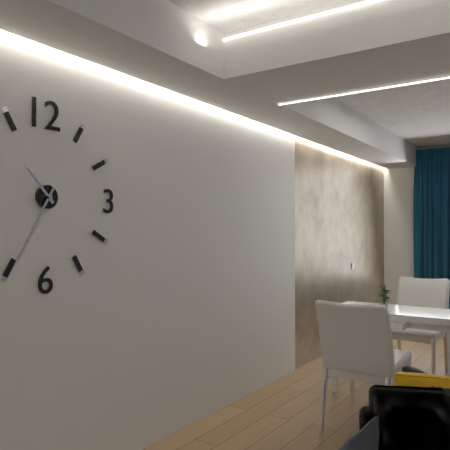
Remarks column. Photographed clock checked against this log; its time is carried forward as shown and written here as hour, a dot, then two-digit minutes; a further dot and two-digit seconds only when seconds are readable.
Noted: 10.35
